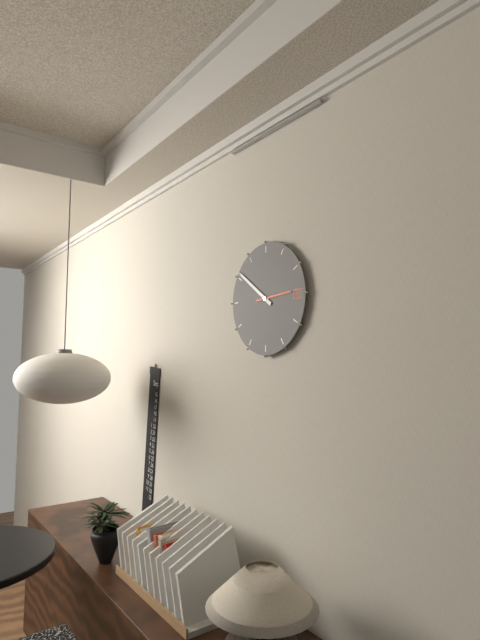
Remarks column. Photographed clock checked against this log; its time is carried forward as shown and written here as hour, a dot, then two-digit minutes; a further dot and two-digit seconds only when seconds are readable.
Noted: 2.51
